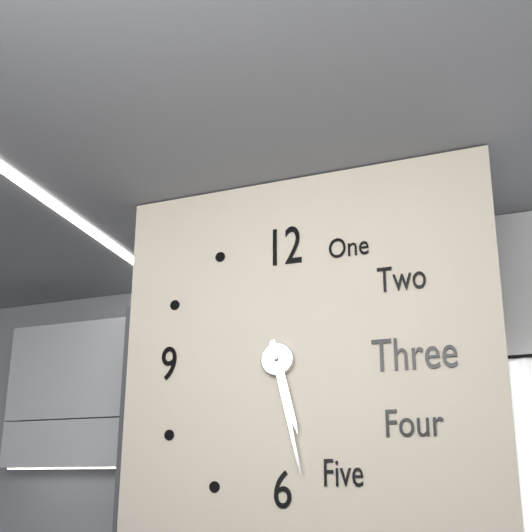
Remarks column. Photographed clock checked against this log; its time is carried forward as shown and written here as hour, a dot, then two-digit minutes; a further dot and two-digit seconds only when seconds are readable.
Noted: 5.28
